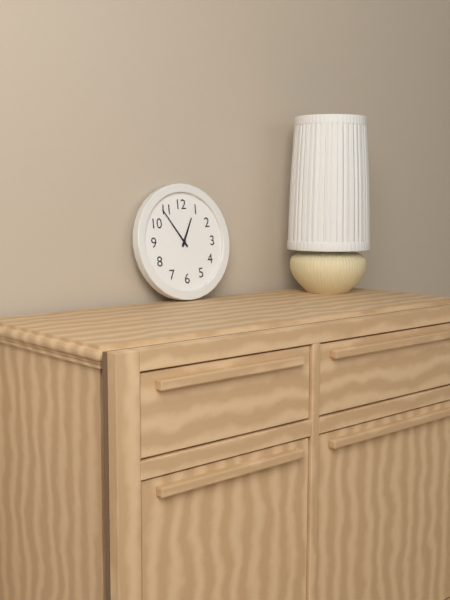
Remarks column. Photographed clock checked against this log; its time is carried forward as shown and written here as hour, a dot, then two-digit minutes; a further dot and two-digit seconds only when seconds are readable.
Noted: 12.54
